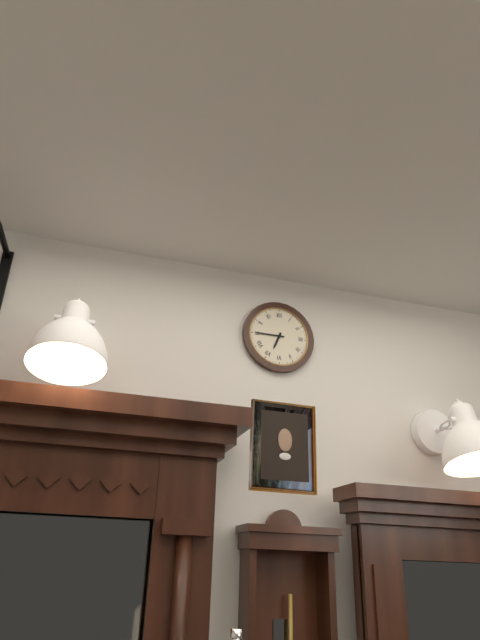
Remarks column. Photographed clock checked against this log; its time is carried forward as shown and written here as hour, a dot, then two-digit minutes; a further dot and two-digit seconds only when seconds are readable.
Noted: 6.45
